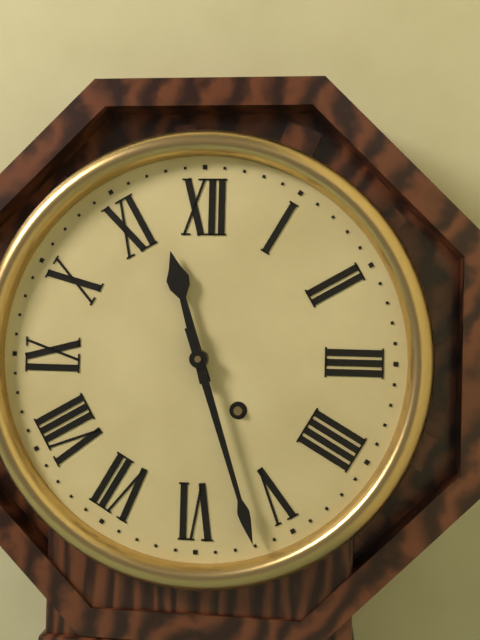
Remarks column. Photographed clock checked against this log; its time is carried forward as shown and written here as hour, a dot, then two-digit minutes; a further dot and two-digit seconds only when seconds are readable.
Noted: 11.27
